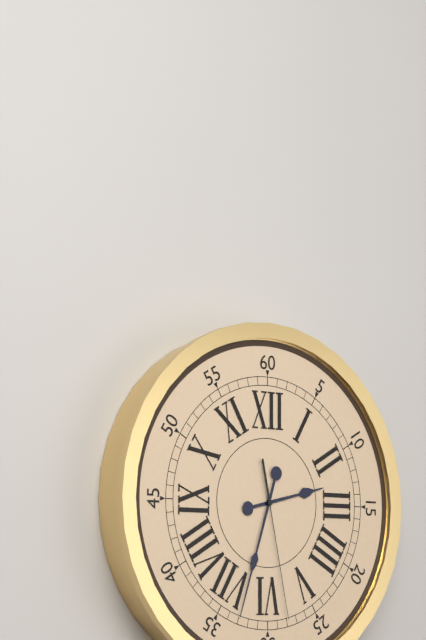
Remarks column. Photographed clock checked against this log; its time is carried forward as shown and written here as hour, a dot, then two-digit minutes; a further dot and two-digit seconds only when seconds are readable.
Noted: 2.33.28
